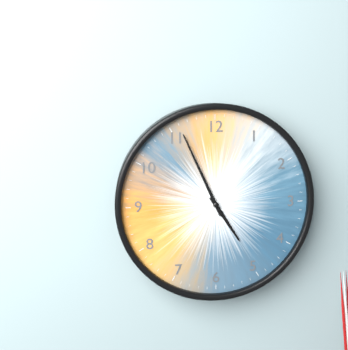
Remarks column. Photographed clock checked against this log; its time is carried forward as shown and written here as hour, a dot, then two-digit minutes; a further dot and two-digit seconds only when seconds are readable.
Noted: 4.56
